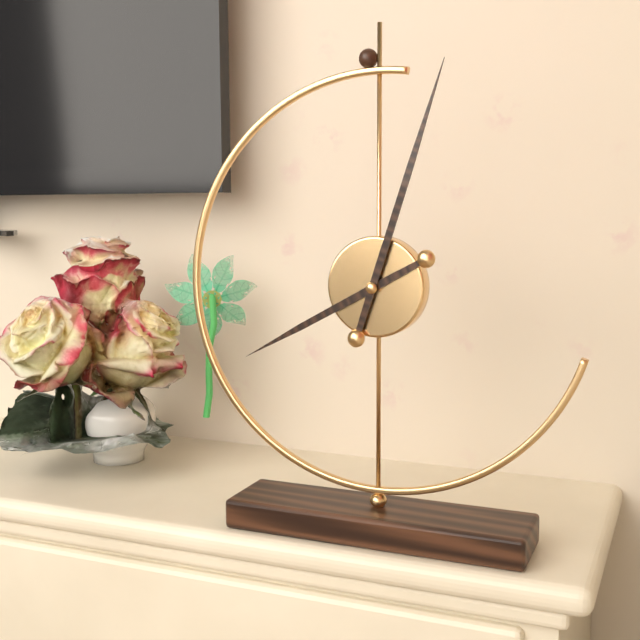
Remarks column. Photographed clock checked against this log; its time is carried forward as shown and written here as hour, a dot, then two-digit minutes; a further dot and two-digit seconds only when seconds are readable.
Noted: 8.03
